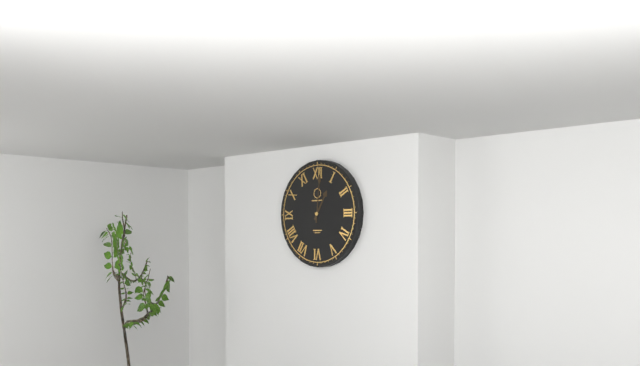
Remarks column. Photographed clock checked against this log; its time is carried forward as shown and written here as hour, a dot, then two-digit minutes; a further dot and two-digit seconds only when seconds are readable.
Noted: 1.01
